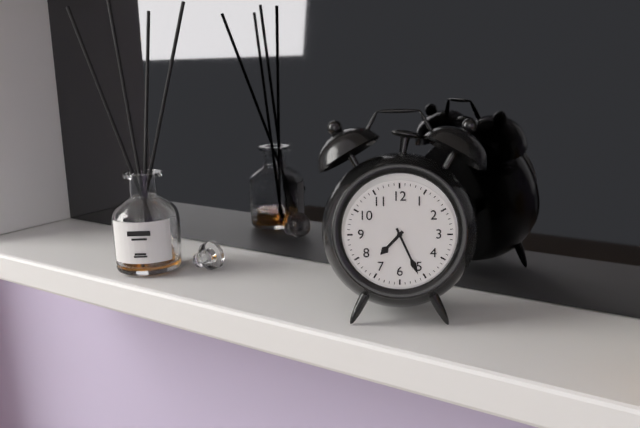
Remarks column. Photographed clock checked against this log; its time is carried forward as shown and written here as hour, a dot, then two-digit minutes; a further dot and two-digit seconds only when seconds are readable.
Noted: 7.26
